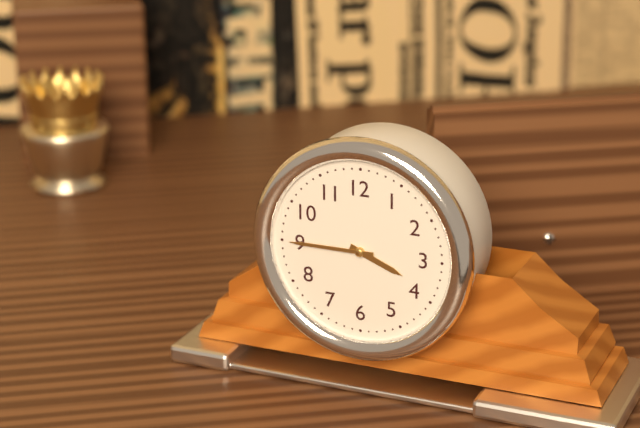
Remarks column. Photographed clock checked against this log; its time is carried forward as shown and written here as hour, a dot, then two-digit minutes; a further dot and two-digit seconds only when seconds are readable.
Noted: 3.45
